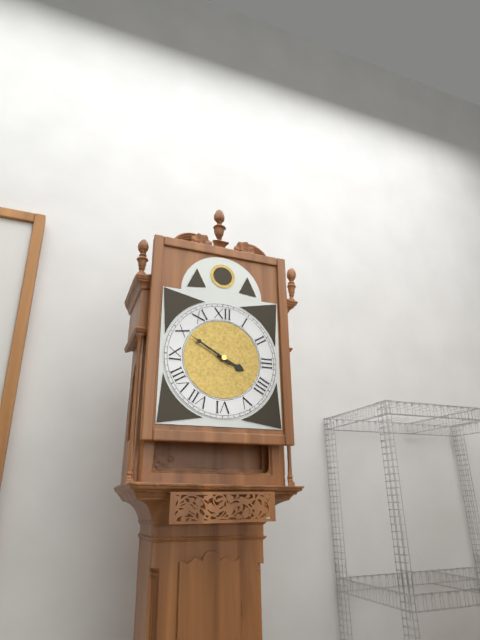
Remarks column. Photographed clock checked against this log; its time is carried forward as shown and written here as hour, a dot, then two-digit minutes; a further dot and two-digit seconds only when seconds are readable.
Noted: 3.50
